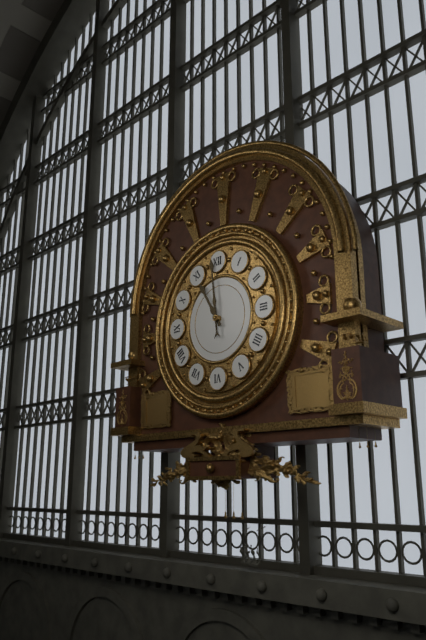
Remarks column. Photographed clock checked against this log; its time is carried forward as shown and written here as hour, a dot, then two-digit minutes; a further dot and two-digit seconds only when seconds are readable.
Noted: 10.59
